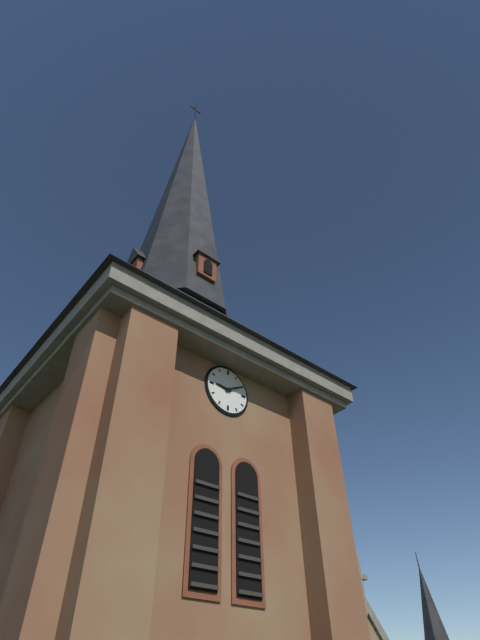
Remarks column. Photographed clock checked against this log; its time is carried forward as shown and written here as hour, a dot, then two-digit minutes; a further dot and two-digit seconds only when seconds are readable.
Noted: 9.10
